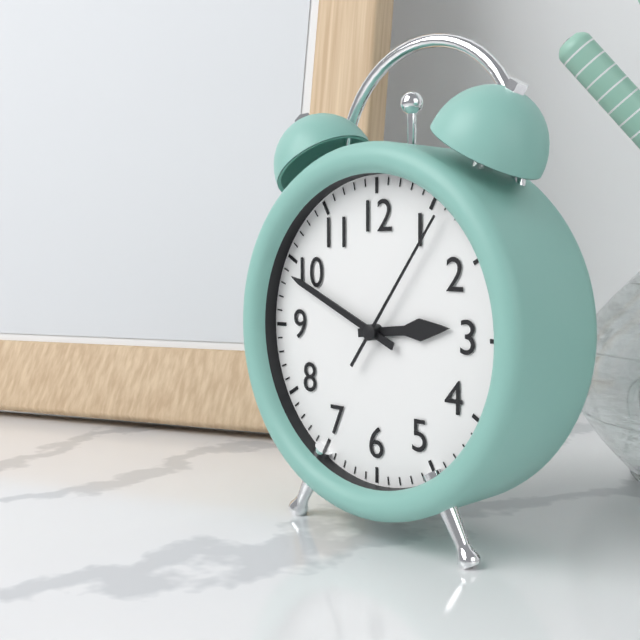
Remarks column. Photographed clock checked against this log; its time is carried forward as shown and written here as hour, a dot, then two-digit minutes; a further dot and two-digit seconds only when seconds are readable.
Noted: 2.49.06
